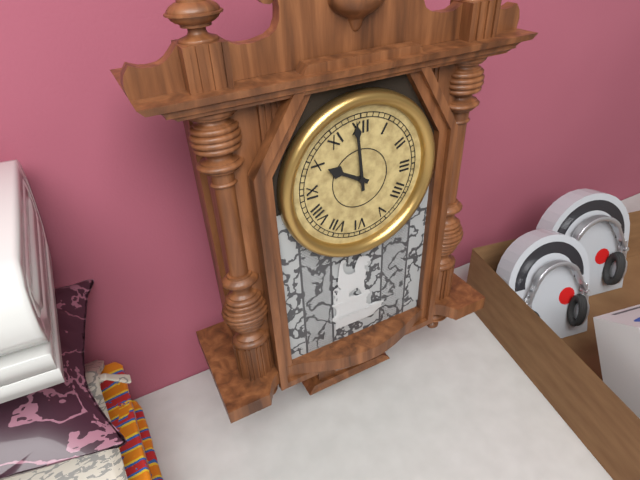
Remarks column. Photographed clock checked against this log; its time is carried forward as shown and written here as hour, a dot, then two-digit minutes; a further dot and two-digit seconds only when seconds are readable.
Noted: 9.59
